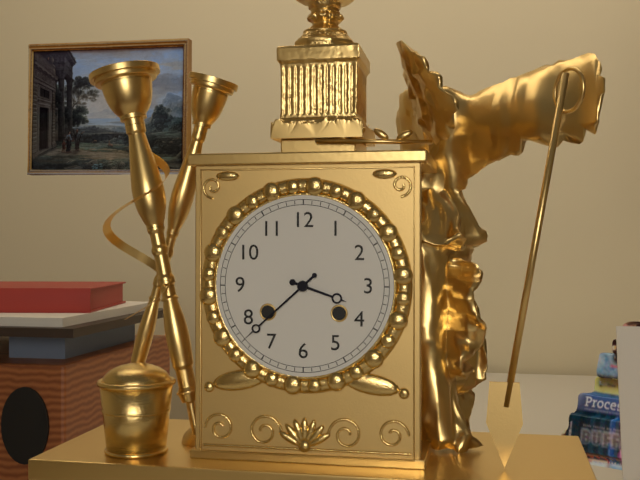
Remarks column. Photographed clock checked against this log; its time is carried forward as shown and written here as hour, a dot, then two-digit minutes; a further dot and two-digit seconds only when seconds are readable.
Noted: 3.38
